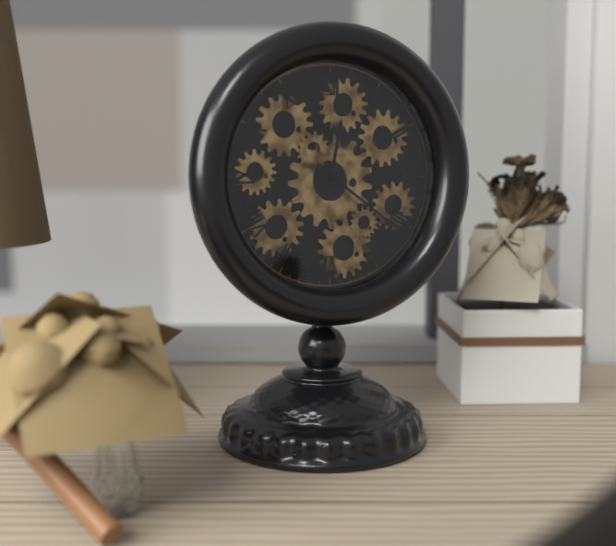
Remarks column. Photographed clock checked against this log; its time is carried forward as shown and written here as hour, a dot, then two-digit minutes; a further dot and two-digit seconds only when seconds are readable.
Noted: 12.21
